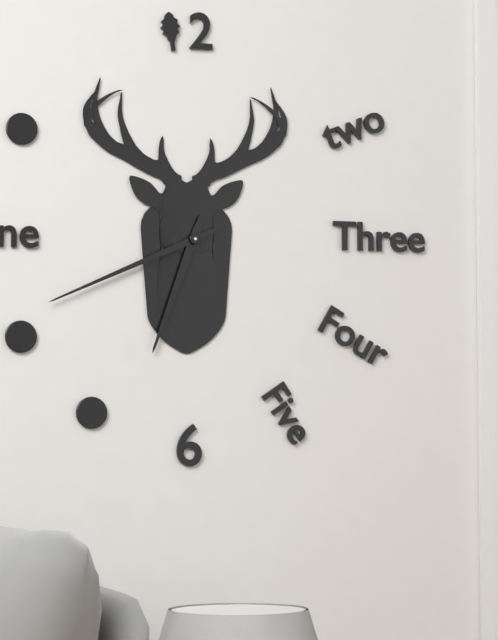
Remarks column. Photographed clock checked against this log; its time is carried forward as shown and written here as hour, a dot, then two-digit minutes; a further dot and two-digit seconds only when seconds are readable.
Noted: 6.41
